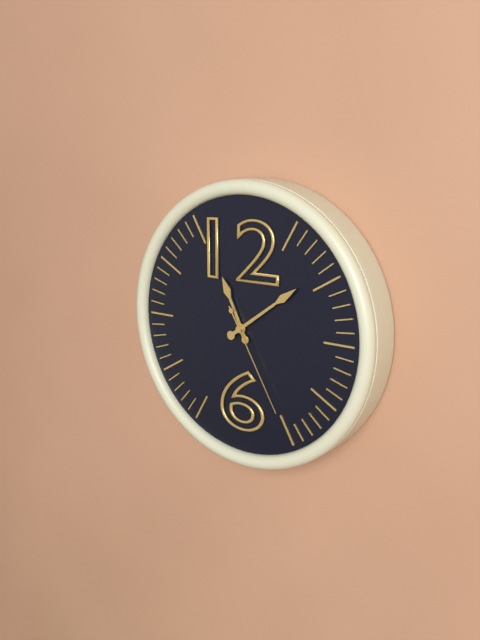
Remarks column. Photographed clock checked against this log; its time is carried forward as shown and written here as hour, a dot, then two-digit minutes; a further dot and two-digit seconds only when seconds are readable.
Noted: 11.09.25
